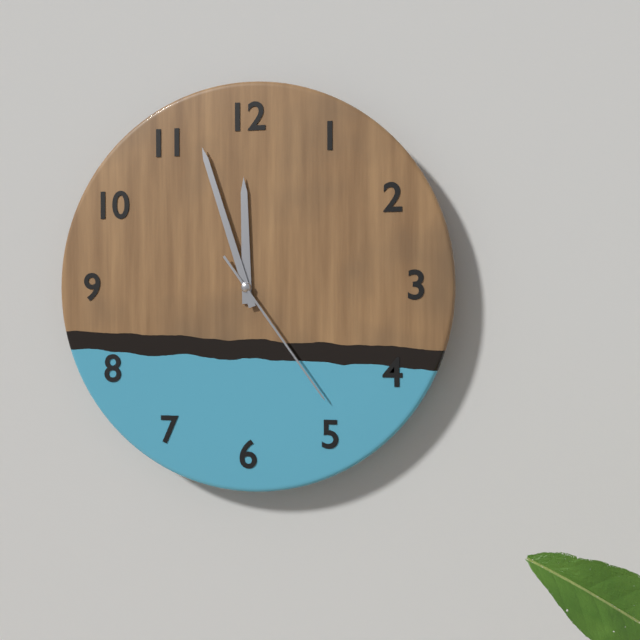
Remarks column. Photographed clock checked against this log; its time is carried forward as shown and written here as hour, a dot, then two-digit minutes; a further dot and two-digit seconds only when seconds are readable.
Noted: 11.57.24
